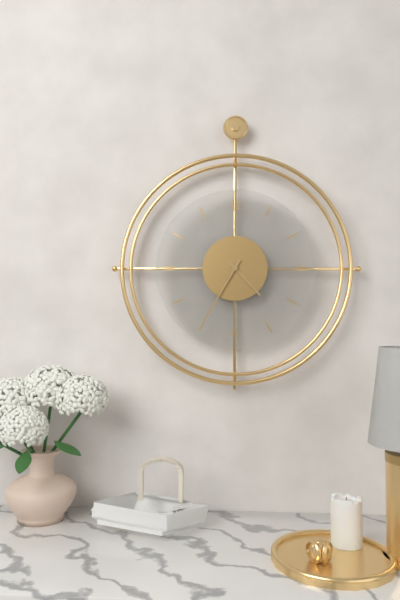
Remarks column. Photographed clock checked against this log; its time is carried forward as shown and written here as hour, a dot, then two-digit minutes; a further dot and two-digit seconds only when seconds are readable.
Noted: 4.35
